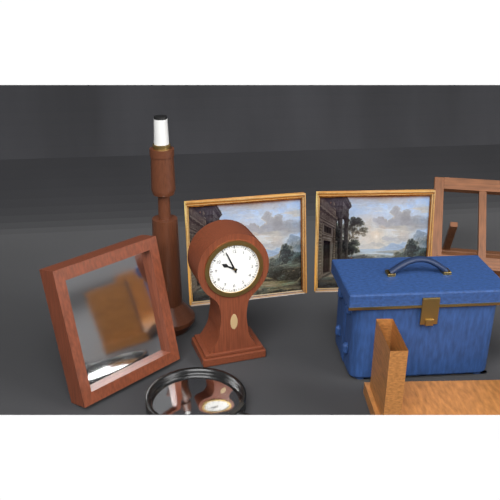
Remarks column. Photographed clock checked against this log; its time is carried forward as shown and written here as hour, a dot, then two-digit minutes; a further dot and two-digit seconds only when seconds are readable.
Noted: 9.56
